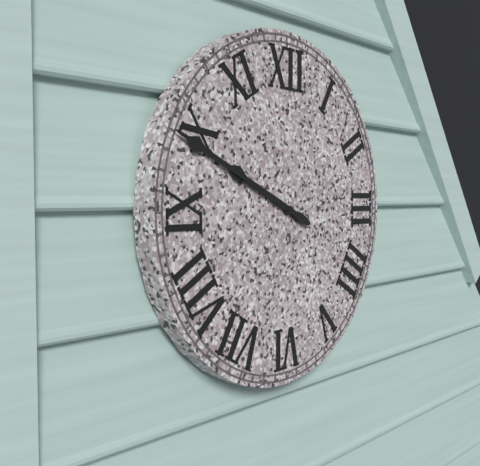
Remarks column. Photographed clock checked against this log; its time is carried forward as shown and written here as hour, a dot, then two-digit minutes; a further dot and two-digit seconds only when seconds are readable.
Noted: 9.49
